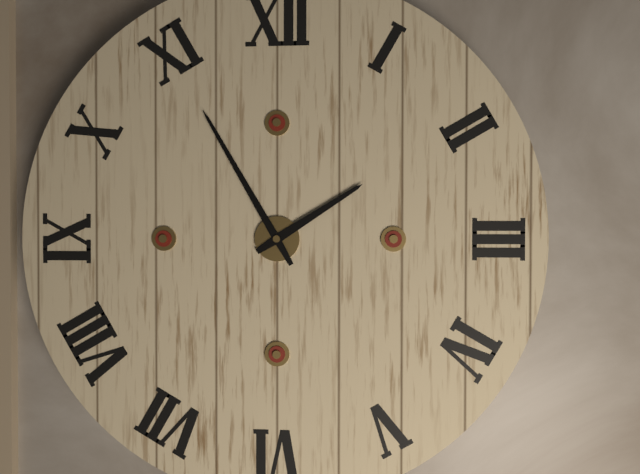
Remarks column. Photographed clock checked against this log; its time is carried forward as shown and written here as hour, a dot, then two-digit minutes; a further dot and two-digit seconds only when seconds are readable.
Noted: 1.55
